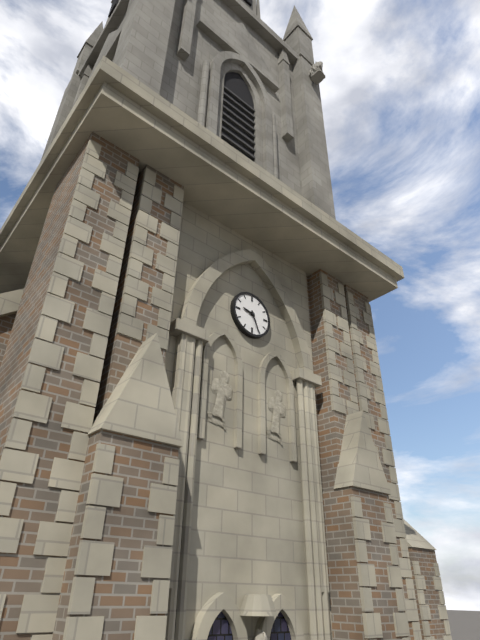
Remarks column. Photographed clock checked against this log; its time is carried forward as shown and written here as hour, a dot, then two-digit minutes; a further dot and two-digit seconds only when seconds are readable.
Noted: 9.26
